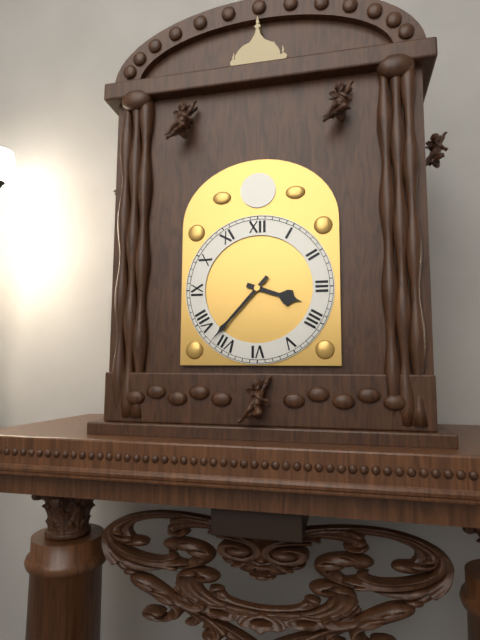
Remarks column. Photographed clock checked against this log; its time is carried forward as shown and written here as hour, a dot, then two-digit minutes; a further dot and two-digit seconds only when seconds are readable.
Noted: 3.37
